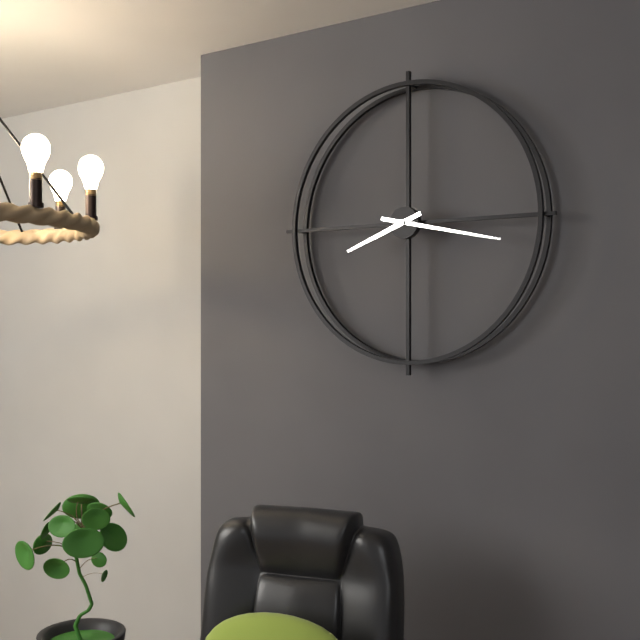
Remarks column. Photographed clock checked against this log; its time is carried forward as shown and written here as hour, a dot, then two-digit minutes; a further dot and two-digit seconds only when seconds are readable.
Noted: 8.17
